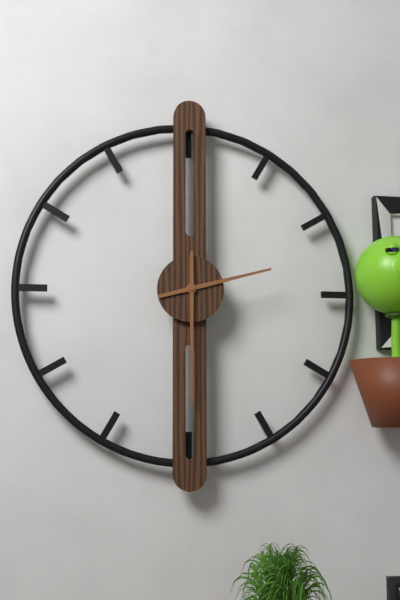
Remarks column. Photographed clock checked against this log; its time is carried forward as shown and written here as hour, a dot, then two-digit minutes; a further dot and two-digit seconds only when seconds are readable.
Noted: 2.30
